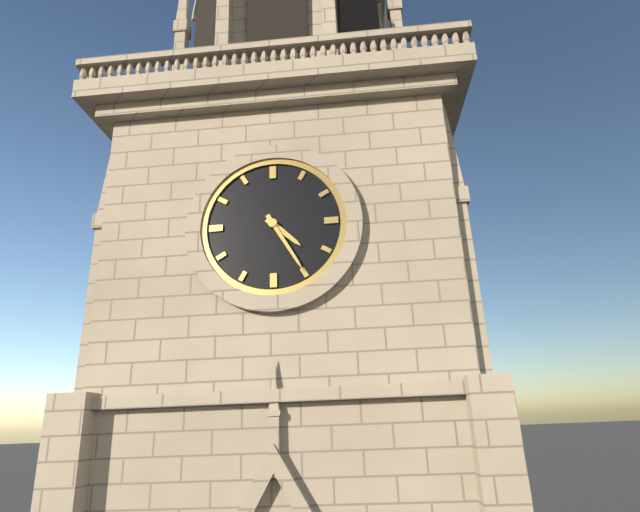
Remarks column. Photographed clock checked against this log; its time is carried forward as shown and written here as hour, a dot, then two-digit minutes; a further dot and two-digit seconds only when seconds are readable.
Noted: 4.25
